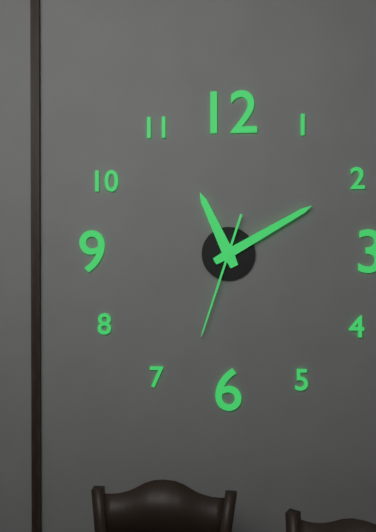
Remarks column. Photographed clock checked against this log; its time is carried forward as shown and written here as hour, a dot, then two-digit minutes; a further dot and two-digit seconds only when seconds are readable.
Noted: 11.10.33
